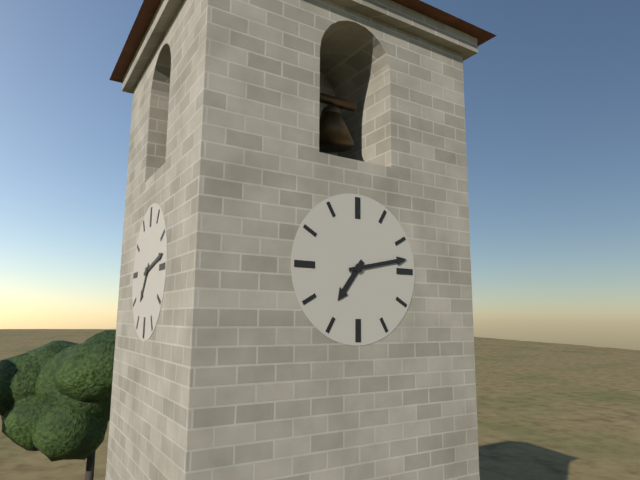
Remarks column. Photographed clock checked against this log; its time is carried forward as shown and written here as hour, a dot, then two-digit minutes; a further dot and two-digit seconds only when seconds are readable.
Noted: 7.13
